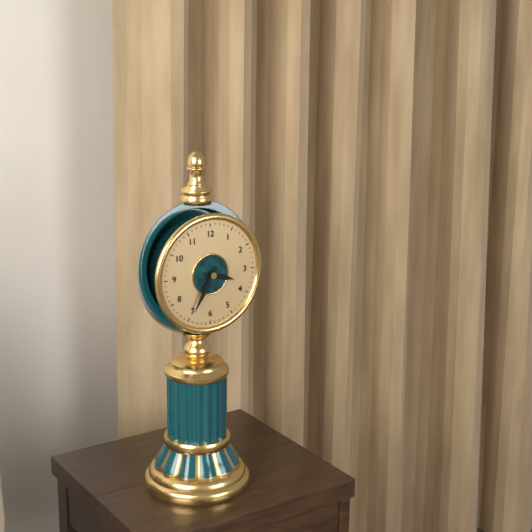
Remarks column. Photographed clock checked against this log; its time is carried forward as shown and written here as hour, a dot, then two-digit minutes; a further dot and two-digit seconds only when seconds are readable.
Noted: 3.35
